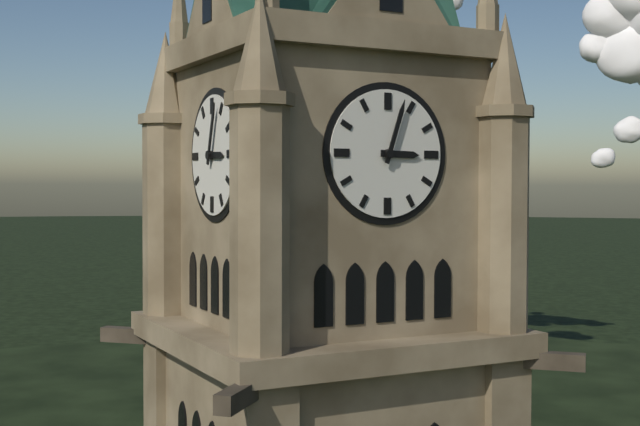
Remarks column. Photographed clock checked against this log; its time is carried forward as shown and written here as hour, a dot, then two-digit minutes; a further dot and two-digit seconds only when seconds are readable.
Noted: 3.03
